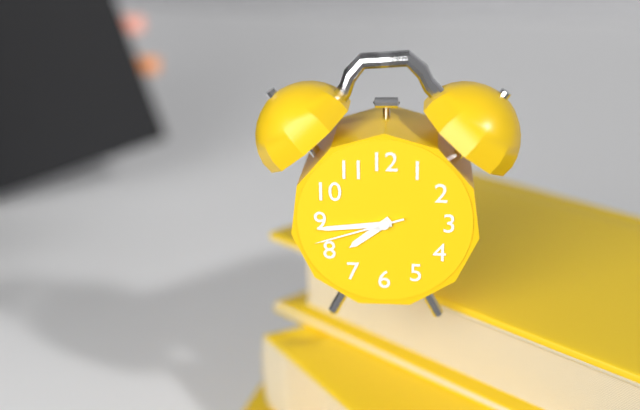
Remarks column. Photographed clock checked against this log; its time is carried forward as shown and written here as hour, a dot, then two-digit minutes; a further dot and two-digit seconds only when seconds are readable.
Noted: 7.44.42
